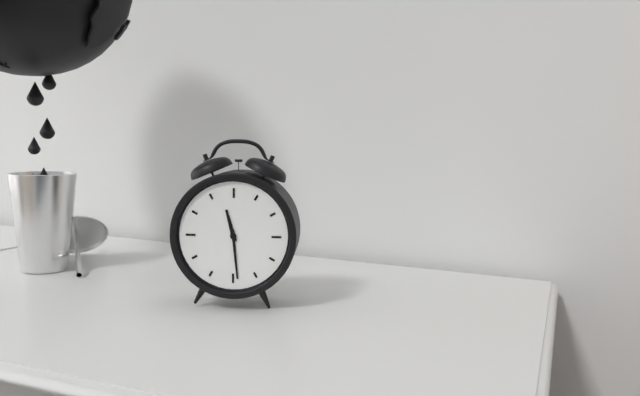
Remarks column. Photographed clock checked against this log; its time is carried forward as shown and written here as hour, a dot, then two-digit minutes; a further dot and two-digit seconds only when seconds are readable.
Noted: 11.29
